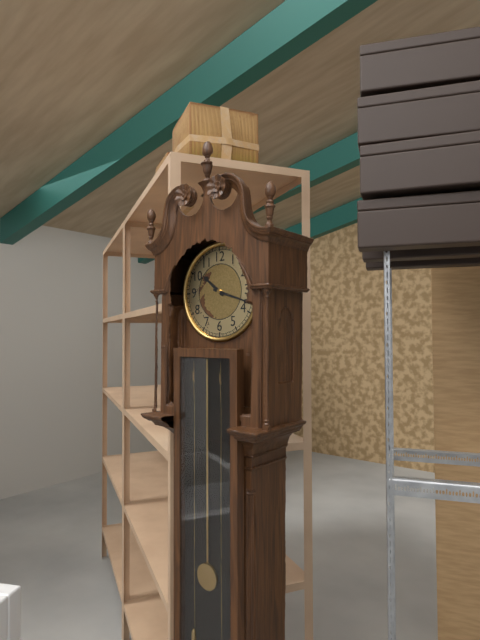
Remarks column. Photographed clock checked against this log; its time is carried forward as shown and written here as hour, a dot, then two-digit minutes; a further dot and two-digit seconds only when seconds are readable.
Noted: 10.18
